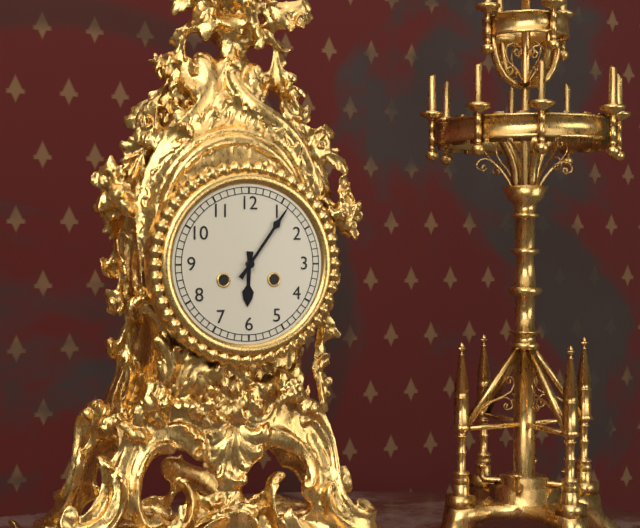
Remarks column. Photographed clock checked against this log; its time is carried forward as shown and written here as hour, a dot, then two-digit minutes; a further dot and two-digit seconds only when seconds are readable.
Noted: 6.06
